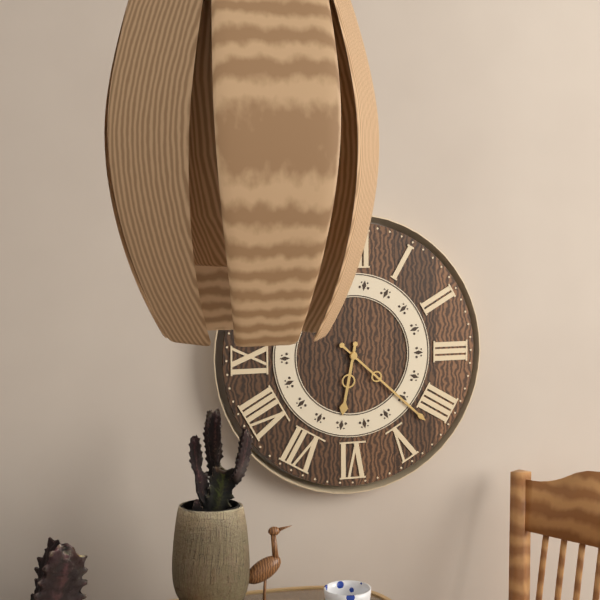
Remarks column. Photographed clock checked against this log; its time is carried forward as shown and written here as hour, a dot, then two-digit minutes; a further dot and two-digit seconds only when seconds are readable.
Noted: 6.22
